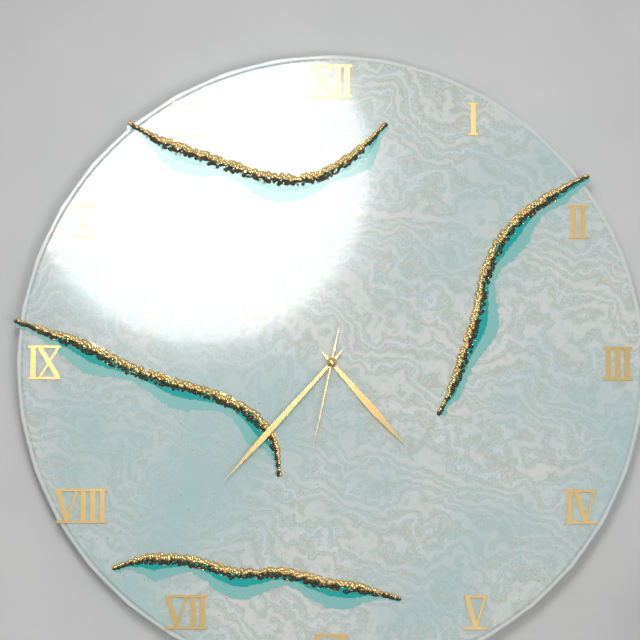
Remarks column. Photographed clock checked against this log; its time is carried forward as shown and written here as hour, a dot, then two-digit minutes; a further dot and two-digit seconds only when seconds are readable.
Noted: 4.37.32
